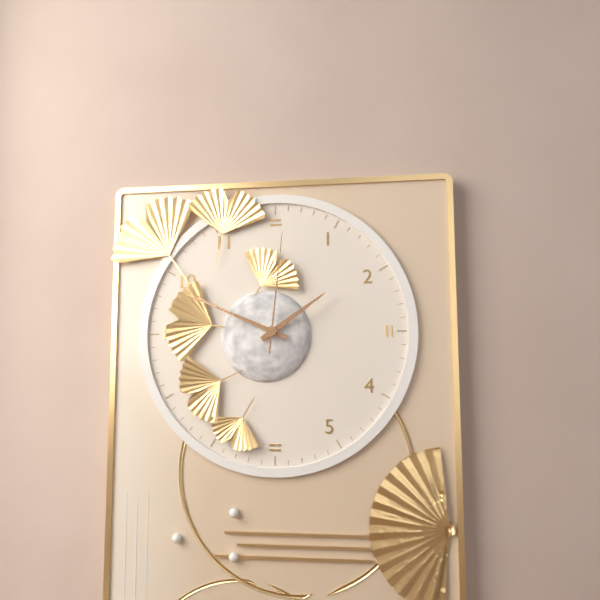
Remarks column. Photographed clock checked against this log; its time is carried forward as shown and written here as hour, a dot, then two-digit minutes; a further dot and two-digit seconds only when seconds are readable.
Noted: 1.49.01
